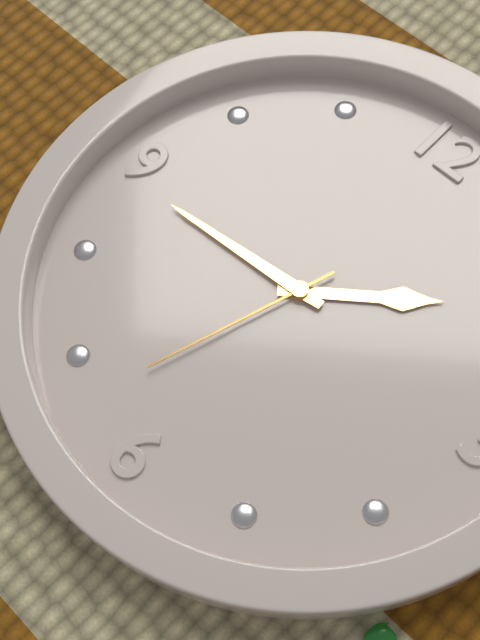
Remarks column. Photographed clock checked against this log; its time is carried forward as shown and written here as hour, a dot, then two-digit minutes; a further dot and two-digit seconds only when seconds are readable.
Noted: 1.44.33
